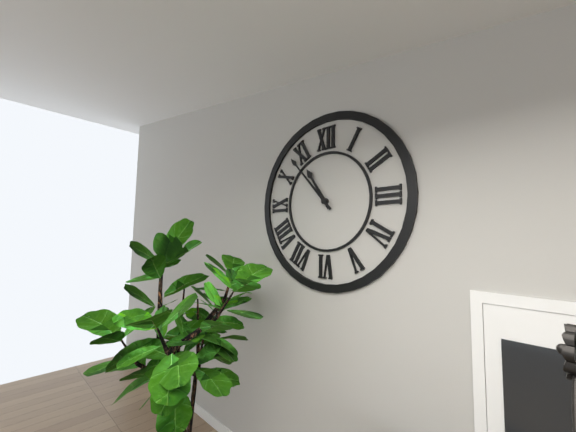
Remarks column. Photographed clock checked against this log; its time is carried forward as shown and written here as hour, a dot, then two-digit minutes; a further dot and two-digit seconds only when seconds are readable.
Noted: 10.53
